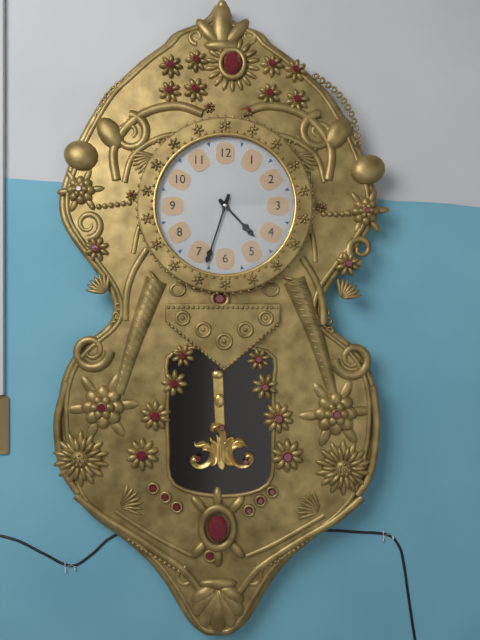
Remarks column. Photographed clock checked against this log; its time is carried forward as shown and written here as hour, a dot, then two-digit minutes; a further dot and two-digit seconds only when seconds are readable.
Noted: 4.33
